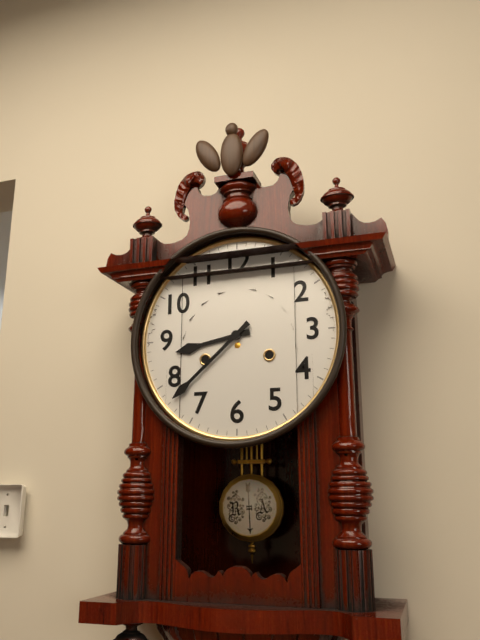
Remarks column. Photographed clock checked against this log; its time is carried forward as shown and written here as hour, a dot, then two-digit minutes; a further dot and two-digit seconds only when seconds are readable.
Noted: 8.38
